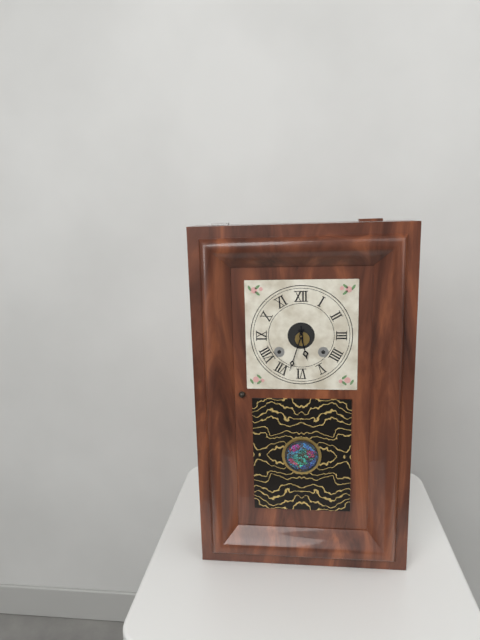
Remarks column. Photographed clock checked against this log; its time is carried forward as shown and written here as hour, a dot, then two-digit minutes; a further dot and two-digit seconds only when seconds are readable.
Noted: 5.33
